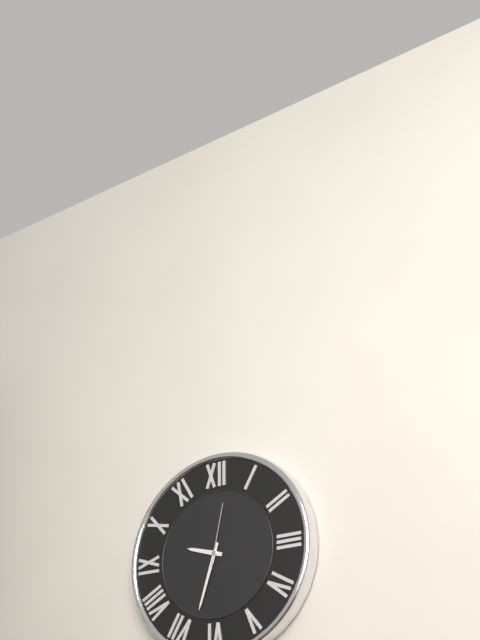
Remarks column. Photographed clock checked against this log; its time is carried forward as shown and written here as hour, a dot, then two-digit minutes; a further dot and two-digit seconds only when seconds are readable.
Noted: 9.33.02
